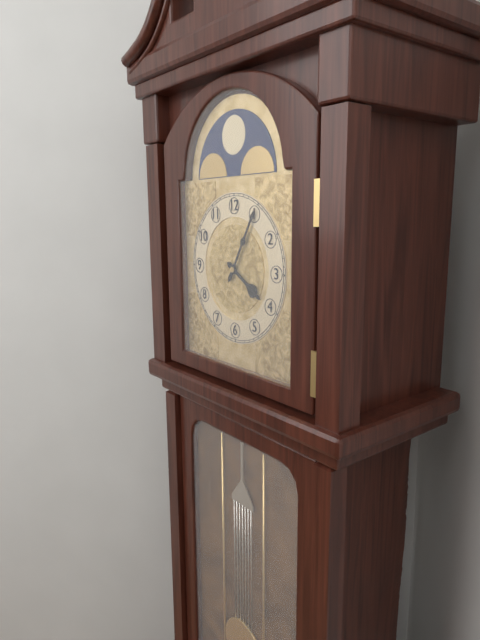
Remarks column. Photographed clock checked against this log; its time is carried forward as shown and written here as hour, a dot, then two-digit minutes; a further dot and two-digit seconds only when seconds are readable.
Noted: 4.05
